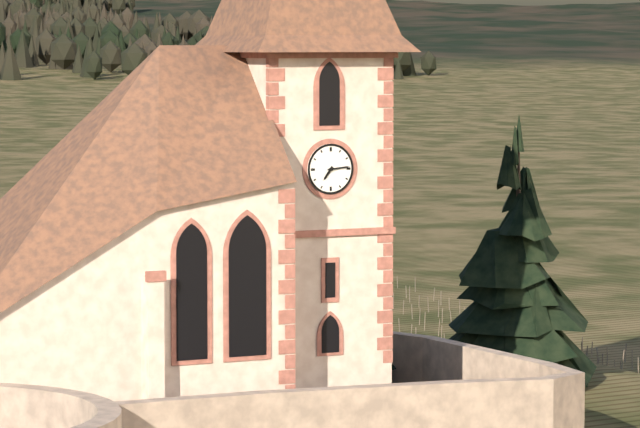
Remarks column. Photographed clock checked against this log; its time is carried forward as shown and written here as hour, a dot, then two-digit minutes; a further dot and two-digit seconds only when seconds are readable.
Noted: 7.14
